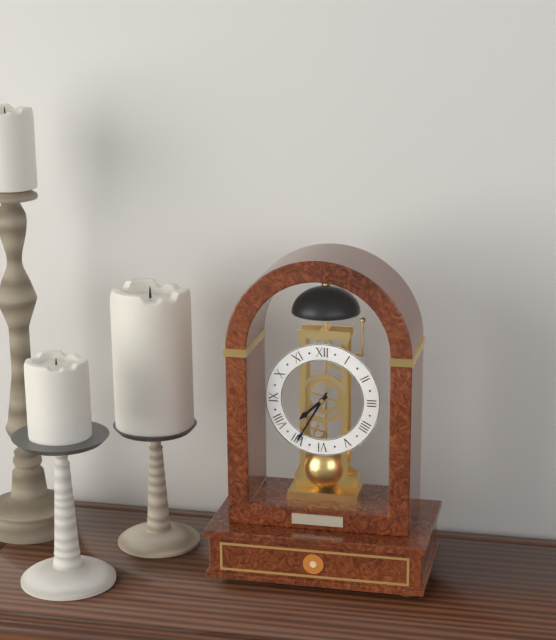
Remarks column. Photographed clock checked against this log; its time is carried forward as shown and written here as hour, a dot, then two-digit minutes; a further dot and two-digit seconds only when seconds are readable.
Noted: 7.35
